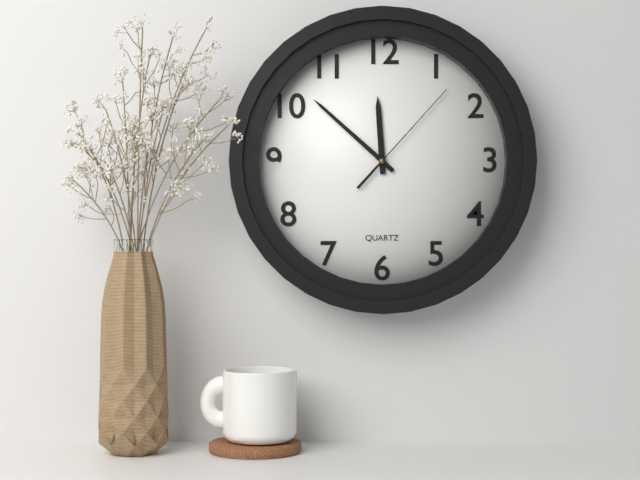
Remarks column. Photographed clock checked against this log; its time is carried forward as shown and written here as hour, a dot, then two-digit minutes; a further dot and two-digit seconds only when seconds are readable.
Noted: 11.52.07
